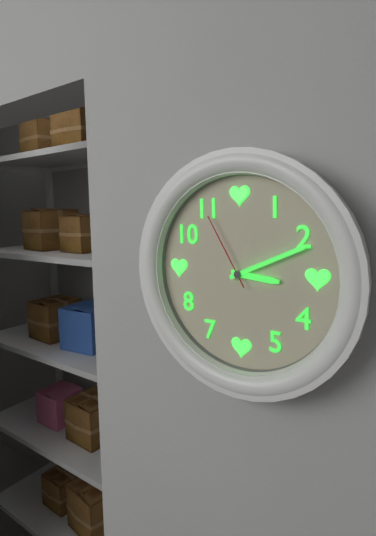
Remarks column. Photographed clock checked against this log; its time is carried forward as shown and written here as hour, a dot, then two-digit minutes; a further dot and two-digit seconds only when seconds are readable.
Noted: 3.11.55
